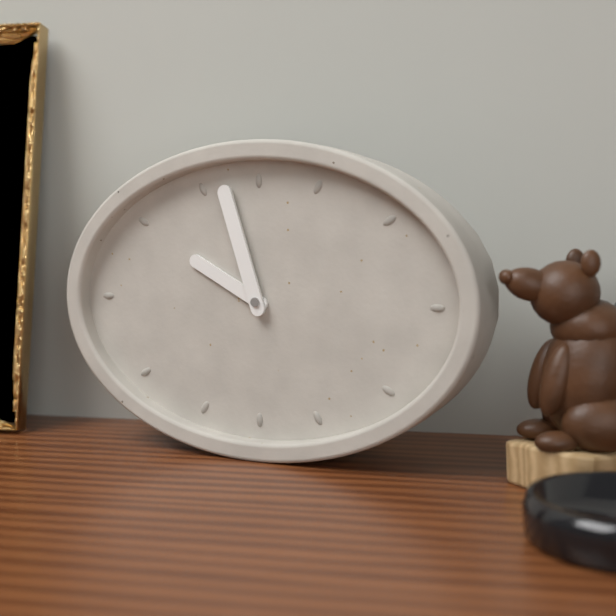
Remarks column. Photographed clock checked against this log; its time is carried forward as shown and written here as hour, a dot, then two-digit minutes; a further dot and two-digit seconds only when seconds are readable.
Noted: 9.57
